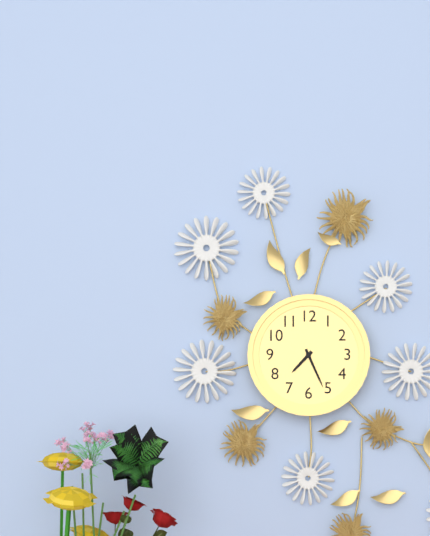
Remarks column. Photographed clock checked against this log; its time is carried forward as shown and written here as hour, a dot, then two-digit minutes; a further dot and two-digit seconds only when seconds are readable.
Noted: 7.26
